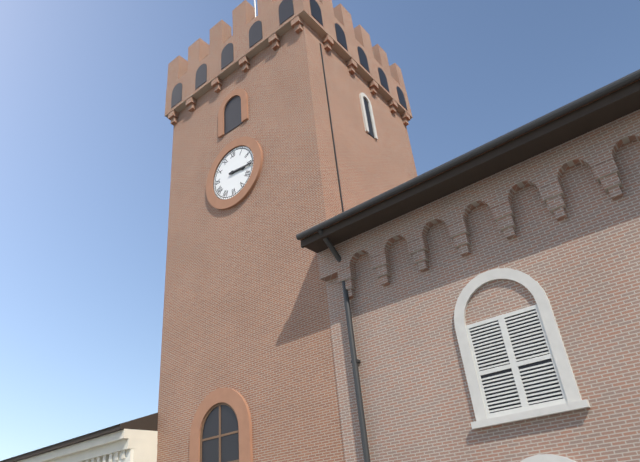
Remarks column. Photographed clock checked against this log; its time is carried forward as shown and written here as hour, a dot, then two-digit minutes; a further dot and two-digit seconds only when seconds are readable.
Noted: 3.16
